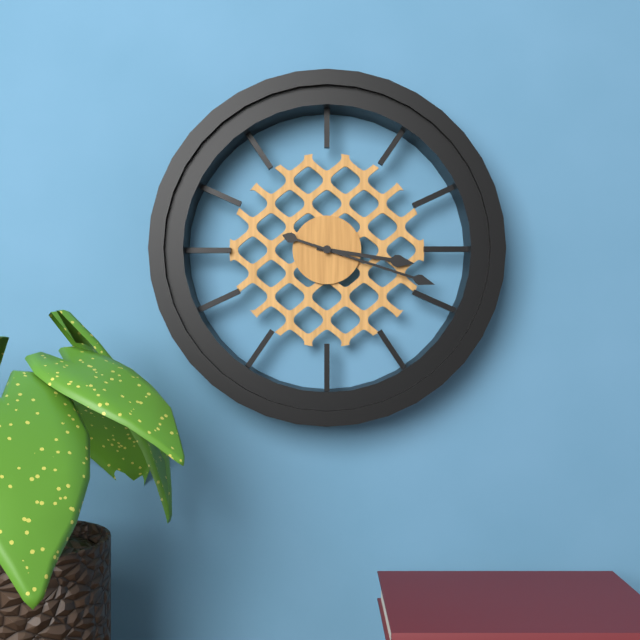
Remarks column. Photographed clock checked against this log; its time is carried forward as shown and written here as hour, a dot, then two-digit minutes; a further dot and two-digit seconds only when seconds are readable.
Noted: 3.18
